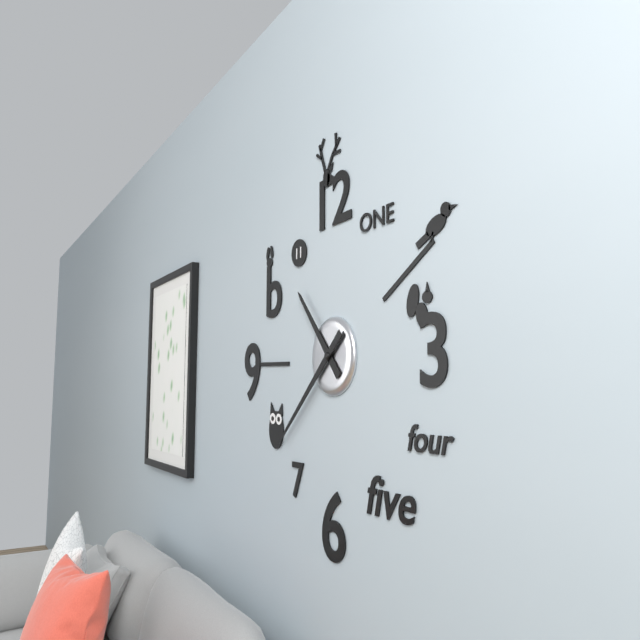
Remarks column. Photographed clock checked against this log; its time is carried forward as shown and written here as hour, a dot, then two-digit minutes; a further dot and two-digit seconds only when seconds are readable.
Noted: 10.38
